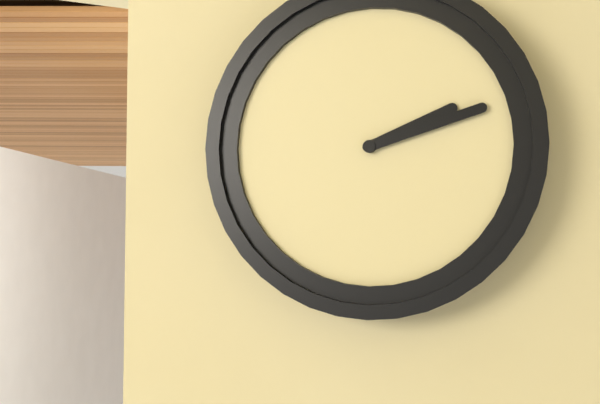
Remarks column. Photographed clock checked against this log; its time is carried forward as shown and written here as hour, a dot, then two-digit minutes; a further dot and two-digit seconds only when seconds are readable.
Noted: 2.12
